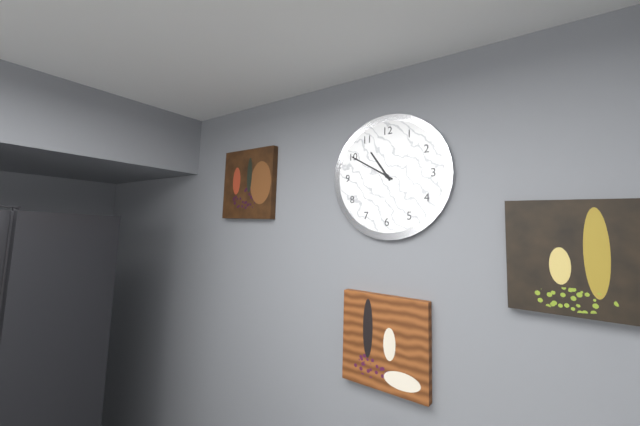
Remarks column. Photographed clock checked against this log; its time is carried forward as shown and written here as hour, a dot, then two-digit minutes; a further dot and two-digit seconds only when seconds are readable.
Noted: 10.50
